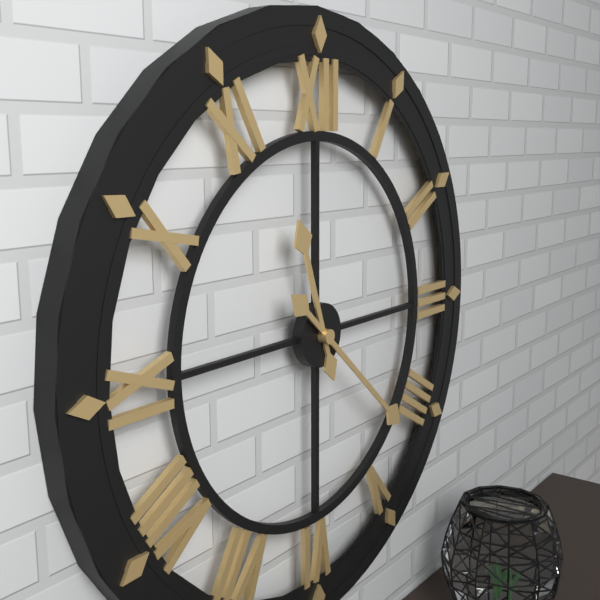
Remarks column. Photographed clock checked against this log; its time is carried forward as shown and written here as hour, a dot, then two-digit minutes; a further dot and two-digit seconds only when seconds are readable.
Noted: 11.22
